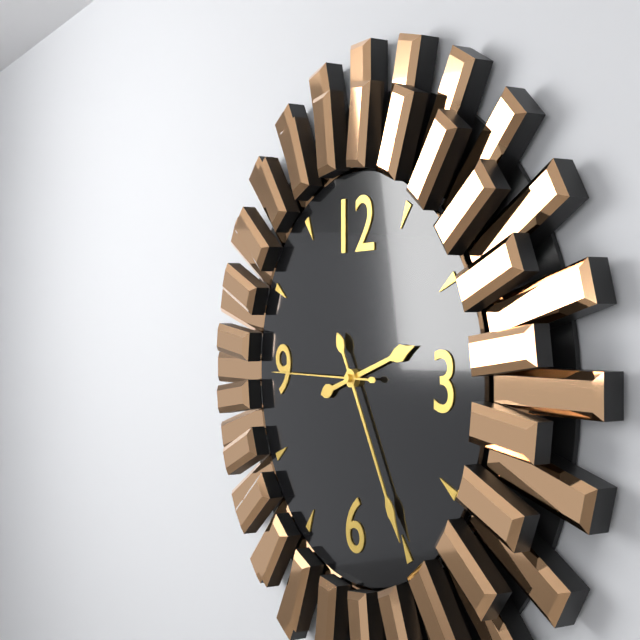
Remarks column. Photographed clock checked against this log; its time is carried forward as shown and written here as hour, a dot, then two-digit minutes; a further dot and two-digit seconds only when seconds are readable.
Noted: 2.25.45
